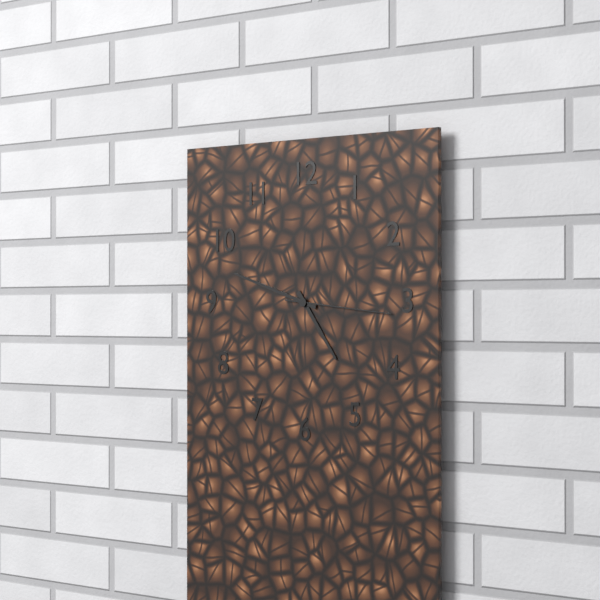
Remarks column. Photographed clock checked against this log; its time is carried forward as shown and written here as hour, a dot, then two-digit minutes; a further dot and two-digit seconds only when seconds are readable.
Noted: 4.48.16
